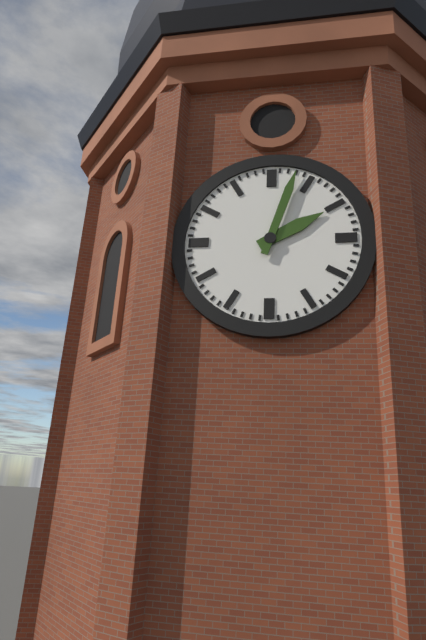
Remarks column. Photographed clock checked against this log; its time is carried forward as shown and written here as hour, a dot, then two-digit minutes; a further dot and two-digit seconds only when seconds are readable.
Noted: 2.03
